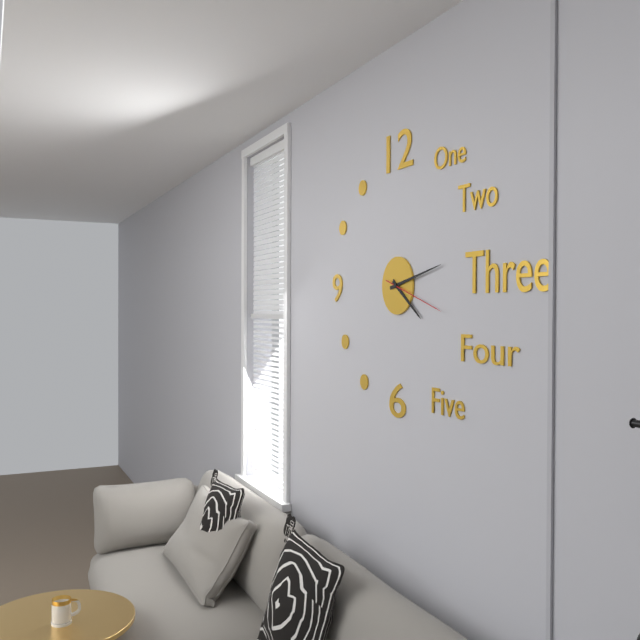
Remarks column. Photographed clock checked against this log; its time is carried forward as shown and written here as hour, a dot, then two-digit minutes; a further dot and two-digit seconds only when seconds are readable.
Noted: 4.13.18
